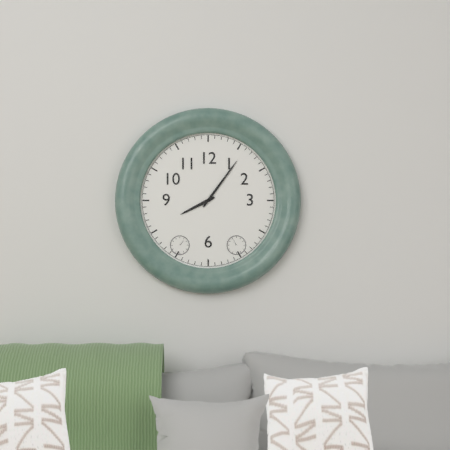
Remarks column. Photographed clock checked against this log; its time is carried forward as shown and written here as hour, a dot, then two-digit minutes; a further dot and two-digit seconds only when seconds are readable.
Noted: 8.06
